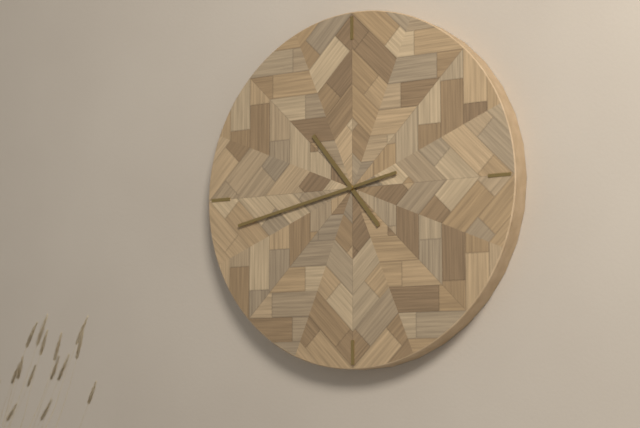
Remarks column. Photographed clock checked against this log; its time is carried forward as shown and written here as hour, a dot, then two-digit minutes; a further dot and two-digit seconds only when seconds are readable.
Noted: 10.43
